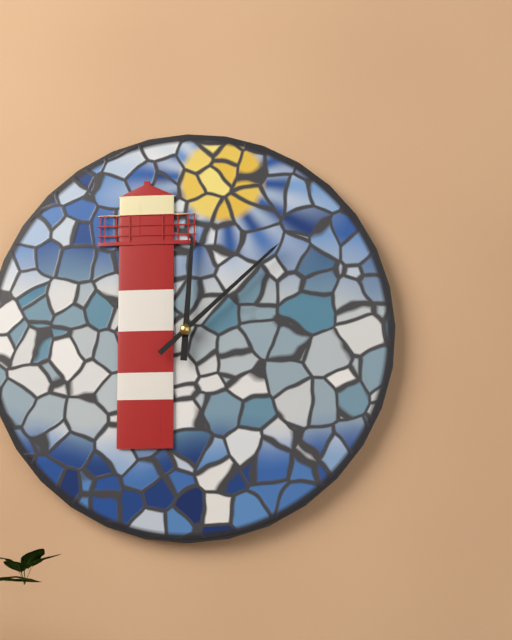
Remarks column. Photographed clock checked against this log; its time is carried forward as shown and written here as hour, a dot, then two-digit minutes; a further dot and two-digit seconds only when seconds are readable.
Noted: 12.08
